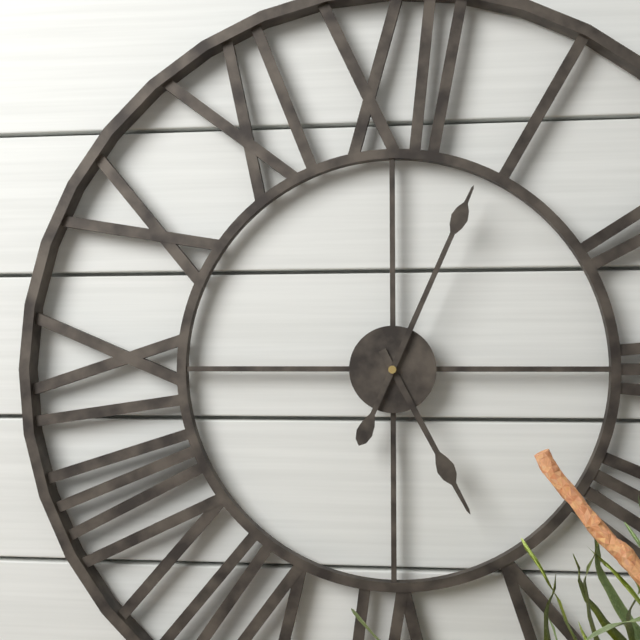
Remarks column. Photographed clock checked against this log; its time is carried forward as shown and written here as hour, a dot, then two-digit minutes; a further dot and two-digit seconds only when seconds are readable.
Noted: 5.04
